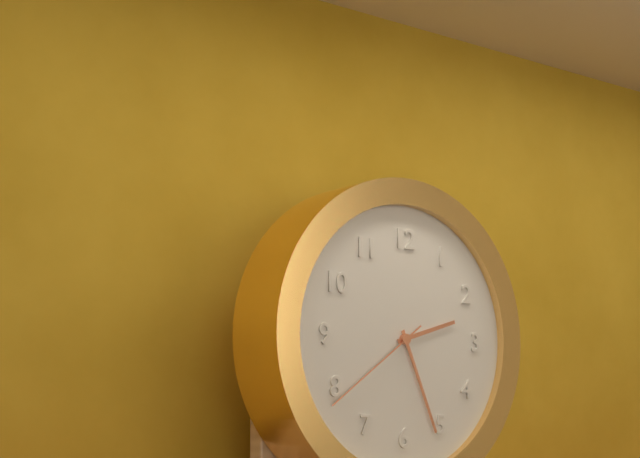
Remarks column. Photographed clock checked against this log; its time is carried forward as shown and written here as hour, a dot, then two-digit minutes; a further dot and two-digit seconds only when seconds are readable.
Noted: 2.26.39
